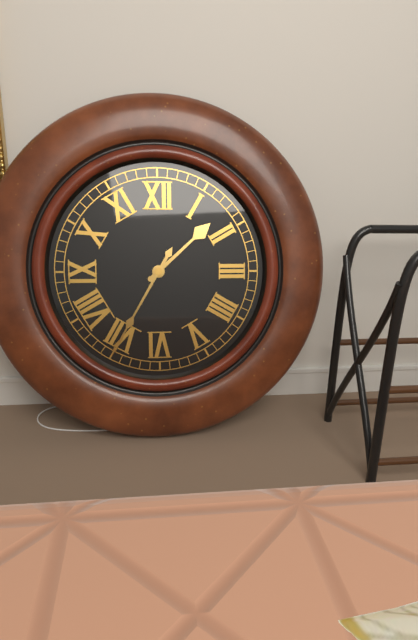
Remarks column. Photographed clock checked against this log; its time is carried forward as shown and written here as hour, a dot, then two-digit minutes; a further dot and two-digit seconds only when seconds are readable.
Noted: 1.35
